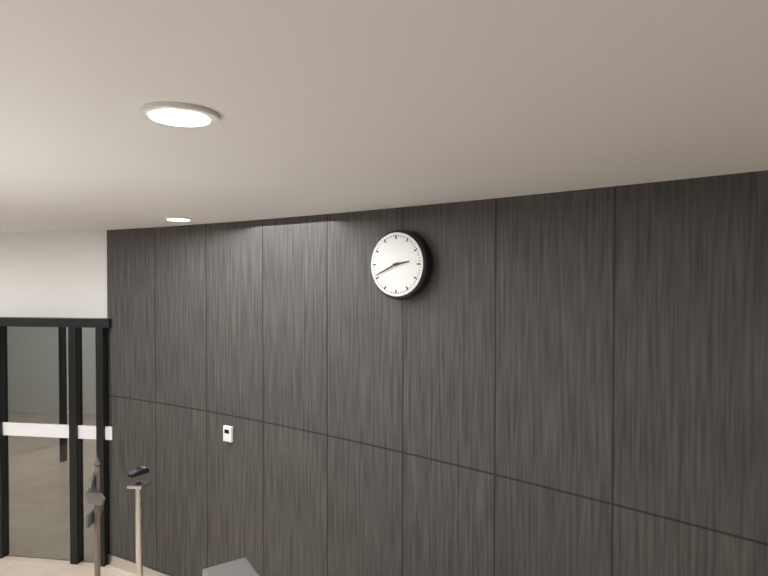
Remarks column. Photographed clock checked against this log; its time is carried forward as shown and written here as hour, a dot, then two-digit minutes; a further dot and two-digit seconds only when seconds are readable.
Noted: 2.41
